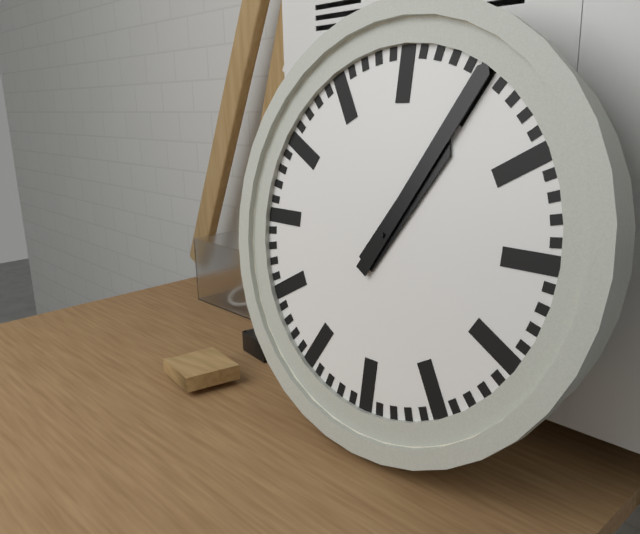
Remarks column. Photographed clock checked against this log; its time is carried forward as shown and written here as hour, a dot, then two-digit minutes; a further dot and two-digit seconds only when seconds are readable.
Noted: 1.05
